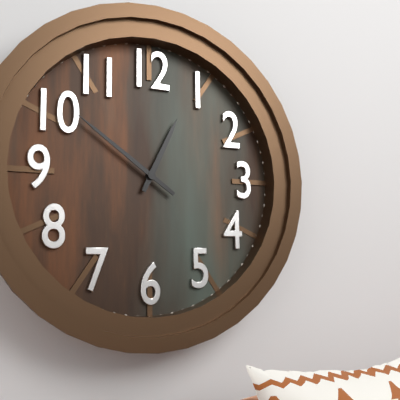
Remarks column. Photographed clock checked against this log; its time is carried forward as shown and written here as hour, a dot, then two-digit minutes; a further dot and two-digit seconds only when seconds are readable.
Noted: 12.51
